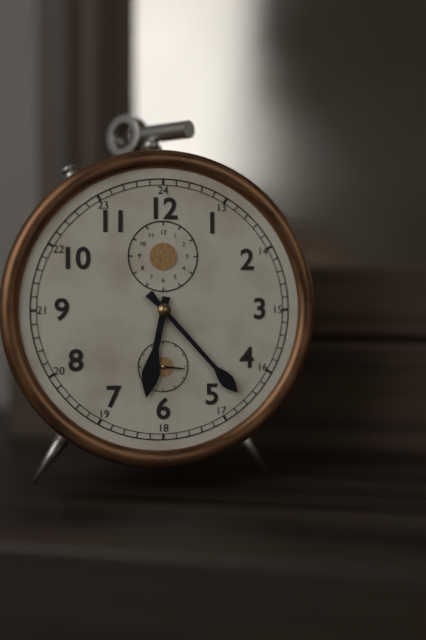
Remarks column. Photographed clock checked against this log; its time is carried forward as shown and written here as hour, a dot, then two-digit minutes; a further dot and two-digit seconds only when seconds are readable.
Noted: 6.23
